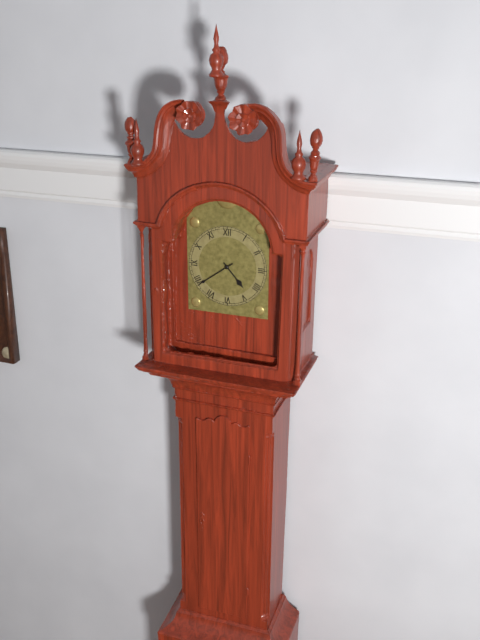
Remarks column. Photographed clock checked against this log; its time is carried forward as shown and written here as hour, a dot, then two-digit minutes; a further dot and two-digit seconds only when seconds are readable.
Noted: 4.39
